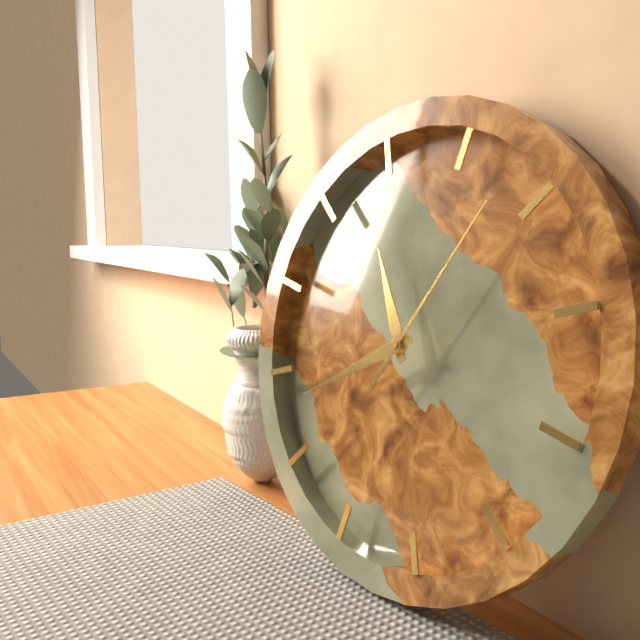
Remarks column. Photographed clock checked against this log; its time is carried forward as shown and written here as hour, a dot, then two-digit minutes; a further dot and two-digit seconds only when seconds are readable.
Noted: 10.38.03
